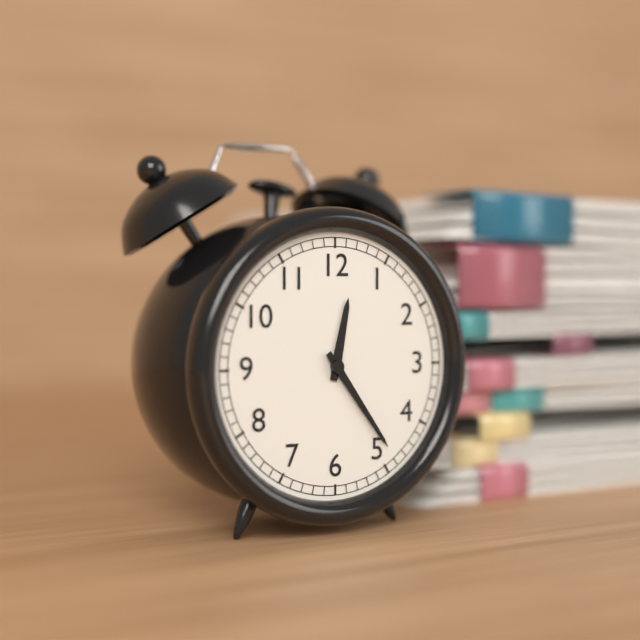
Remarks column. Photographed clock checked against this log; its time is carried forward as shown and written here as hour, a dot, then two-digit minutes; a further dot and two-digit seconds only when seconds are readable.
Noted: 12.24
